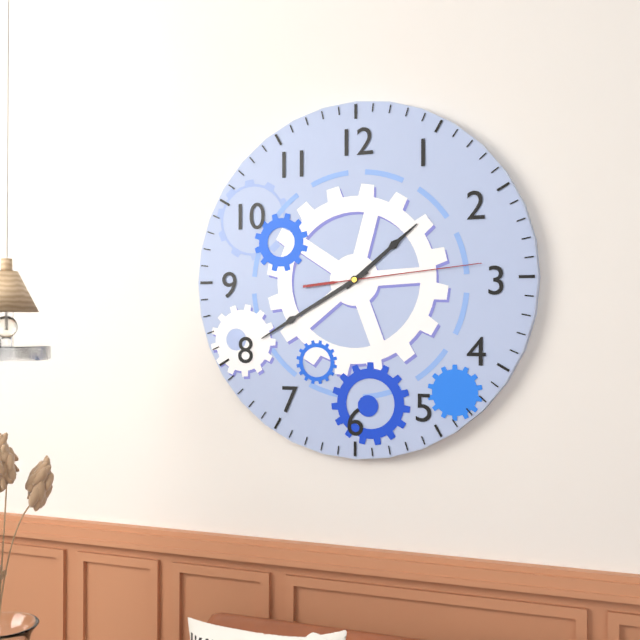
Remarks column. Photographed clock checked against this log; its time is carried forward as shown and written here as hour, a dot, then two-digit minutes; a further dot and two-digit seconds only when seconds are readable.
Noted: 1.40.14
